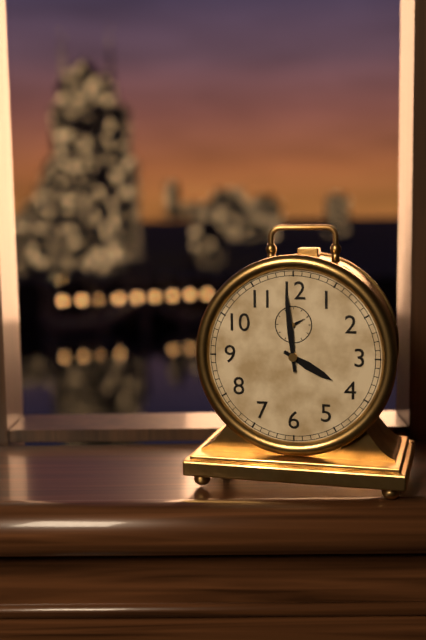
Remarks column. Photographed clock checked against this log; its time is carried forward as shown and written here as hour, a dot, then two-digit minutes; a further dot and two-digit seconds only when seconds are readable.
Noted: 3.59
